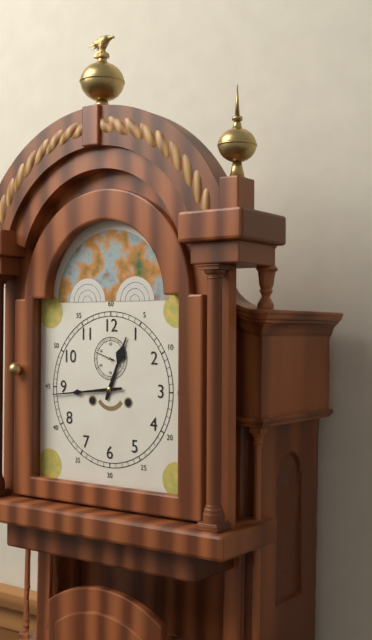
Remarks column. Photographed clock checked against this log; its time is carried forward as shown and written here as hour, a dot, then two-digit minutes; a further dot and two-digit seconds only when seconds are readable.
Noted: 12.44
